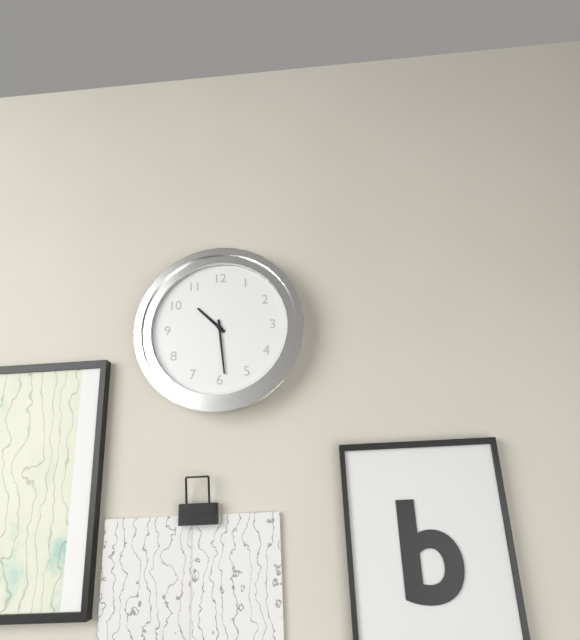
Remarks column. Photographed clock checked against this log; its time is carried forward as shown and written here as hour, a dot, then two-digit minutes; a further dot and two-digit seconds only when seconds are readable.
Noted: 10.29
